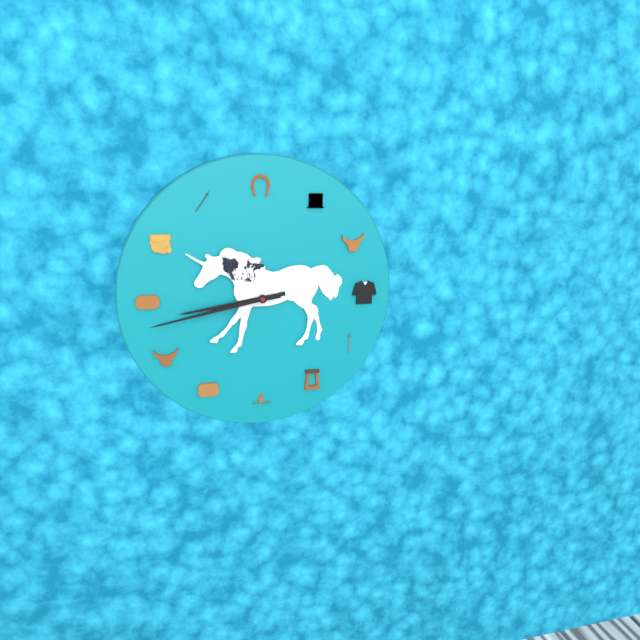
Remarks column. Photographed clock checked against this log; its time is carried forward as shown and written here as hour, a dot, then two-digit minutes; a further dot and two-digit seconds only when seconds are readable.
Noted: 8.43
